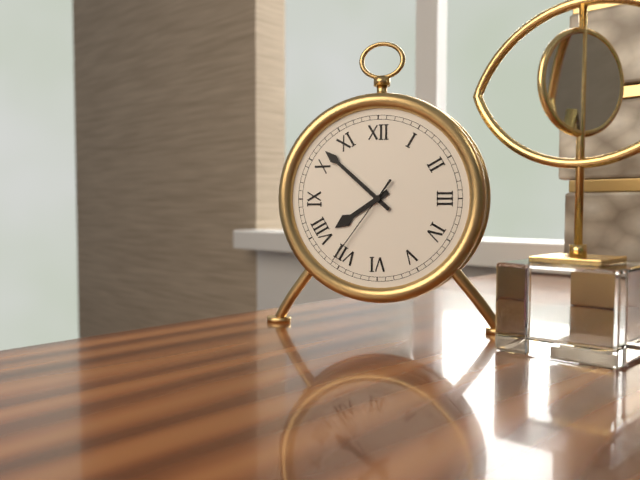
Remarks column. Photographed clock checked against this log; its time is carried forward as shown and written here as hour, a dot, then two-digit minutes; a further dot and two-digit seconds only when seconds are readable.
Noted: 7.52.36
